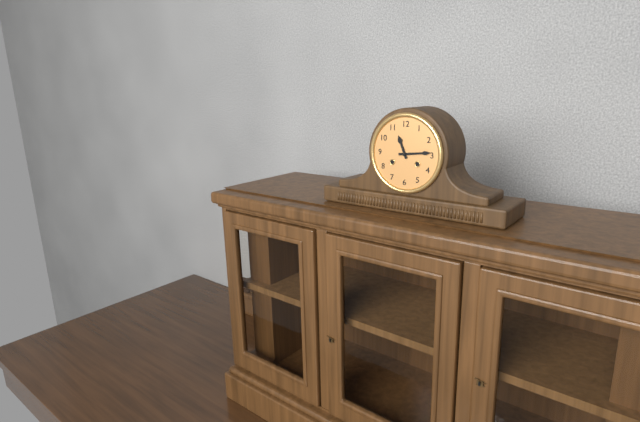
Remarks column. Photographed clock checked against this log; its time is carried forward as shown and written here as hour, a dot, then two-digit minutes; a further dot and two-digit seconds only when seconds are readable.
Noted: 11.14
